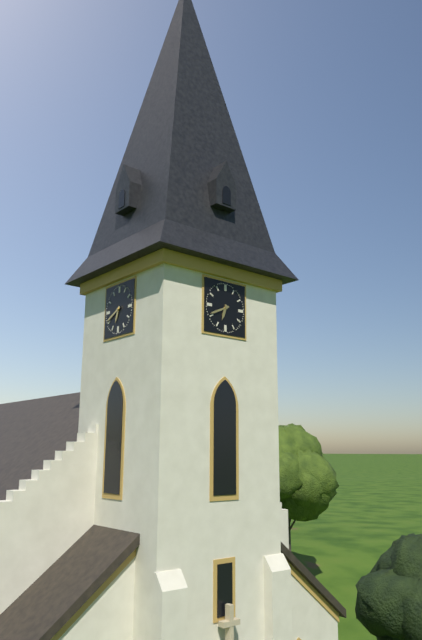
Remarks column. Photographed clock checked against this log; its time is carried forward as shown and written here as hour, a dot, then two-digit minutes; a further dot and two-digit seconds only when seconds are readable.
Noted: 6.41
